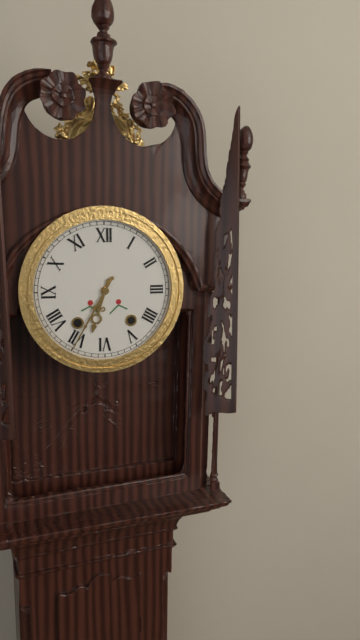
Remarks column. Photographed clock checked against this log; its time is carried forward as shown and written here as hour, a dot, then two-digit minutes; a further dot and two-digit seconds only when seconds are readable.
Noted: 6.35
